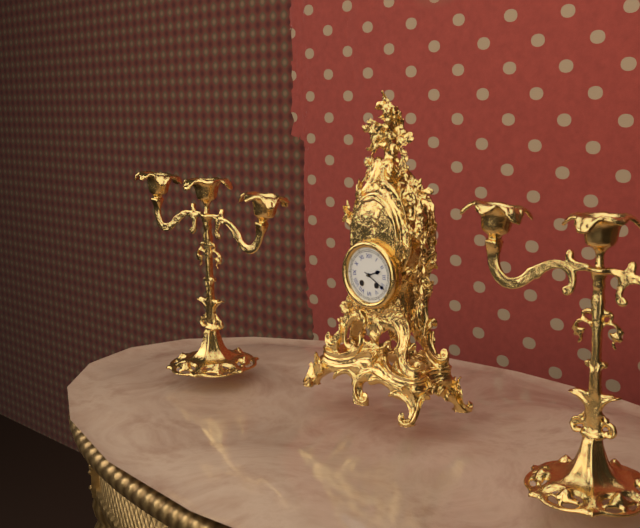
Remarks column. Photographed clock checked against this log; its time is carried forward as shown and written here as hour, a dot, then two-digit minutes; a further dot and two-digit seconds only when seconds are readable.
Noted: 2.20
